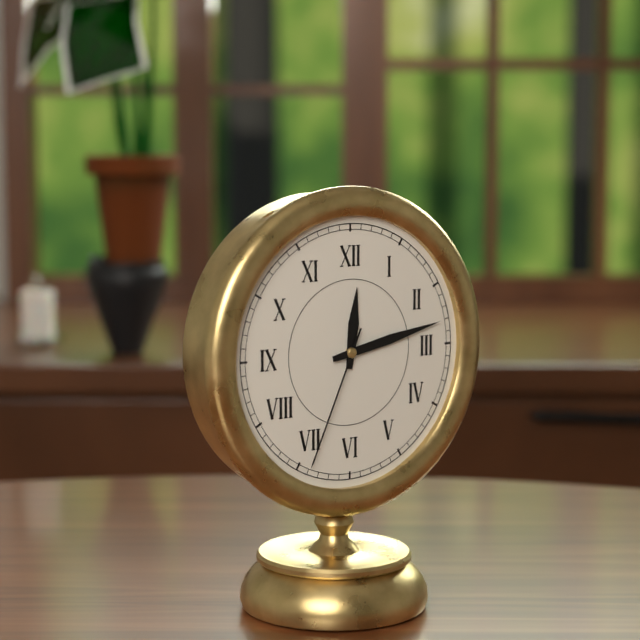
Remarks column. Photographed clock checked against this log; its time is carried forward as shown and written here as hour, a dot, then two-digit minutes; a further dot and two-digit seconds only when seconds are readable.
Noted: 12.13.34
